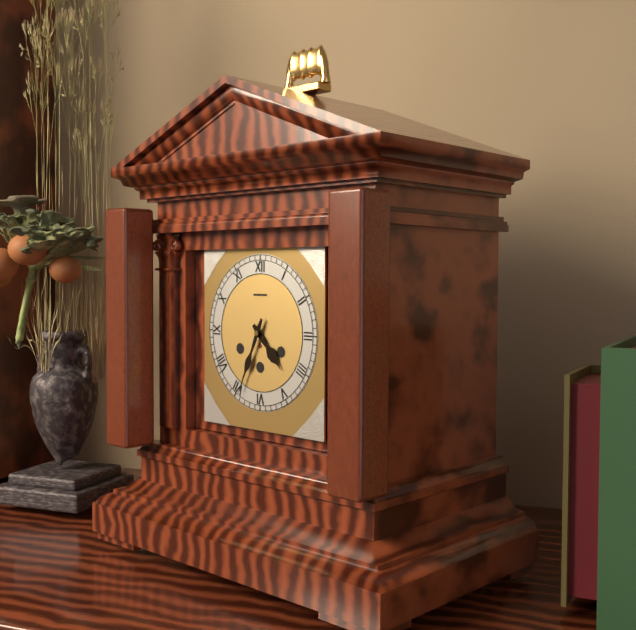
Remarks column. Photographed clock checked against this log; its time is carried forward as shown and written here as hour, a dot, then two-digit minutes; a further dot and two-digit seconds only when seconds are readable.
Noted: 4.34
